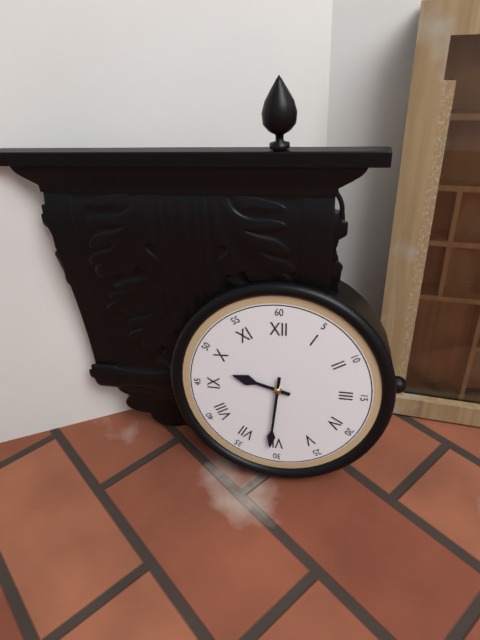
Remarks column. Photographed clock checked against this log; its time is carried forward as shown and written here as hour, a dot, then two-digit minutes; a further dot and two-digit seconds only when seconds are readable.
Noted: 9.31
